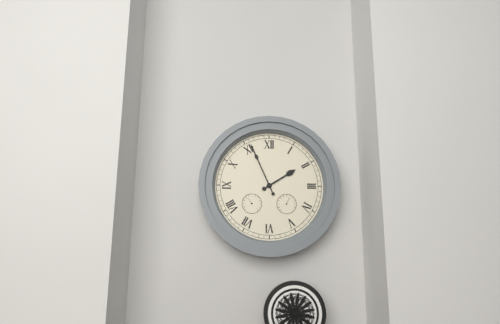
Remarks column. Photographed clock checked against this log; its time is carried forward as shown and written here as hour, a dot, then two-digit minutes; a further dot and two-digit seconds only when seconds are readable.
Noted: 1.56
